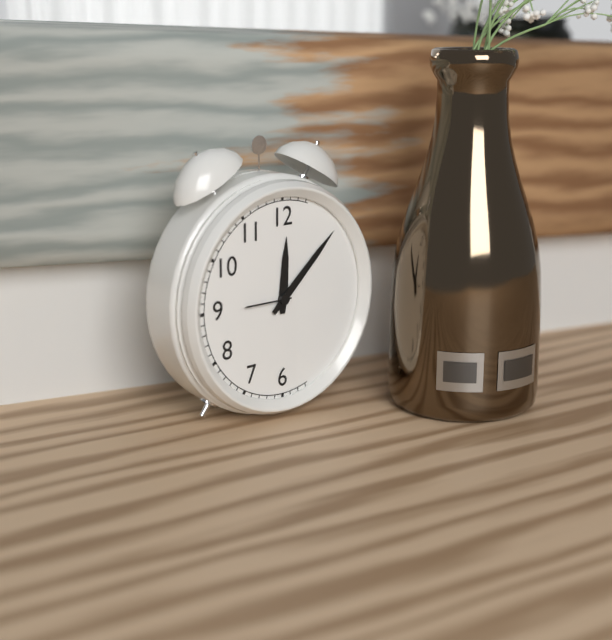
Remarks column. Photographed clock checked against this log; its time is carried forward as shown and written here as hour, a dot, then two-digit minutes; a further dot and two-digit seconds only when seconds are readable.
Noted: 12.08
